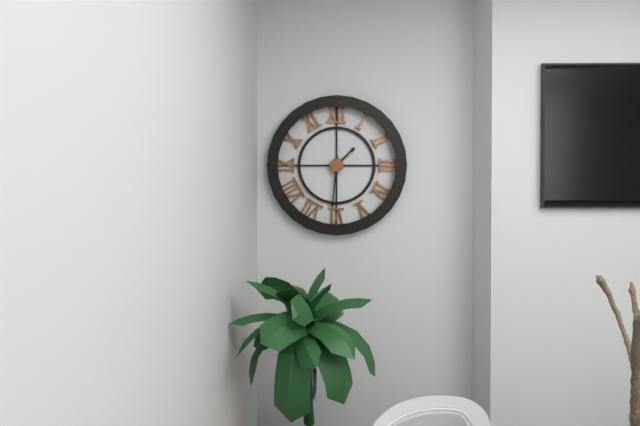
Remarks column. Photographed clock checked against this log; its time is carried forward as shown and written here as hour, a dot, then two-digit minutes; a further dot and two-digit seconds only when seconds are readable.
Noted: 1.31
